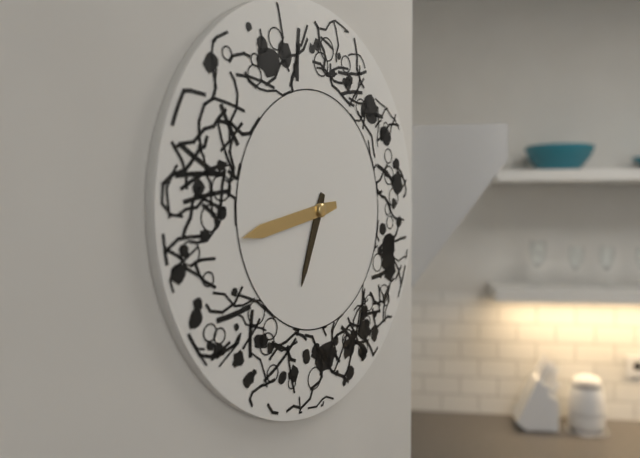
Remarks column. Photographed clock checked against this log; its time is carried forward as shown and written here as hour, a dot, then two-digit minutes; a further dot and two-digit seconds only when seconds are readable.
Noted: 6.43
